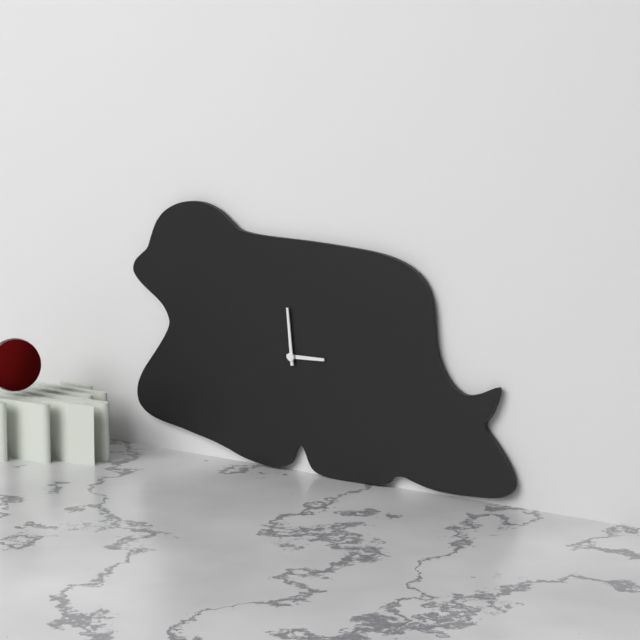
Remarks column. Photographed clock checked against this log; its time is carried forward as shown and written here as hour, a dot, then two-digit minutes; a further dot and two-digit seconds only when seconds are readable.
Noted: 2.59
